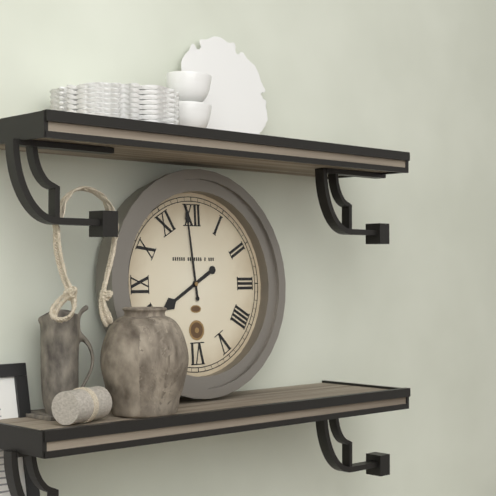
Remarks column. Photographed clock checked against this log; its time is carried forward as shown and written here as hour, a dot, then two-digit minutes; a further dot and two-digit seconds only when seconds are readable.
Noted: 7.59
